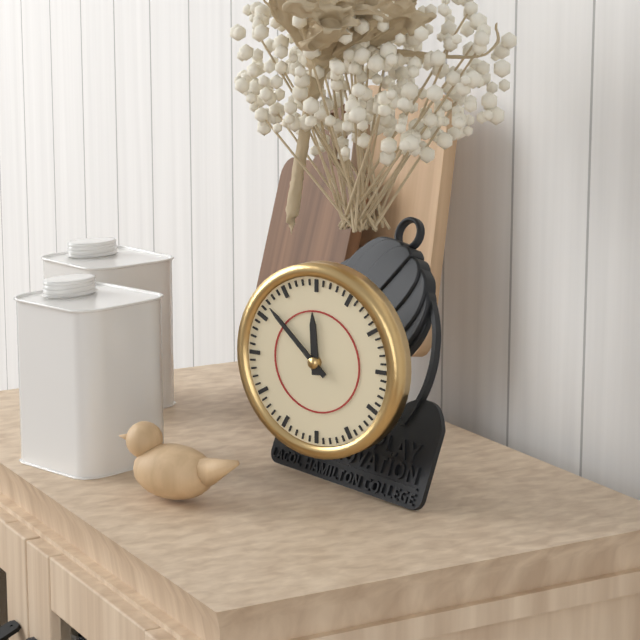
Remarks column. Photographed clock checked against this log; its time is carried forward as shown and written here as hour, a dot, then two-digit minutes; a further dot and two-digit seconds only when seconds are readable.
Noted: 11.52
